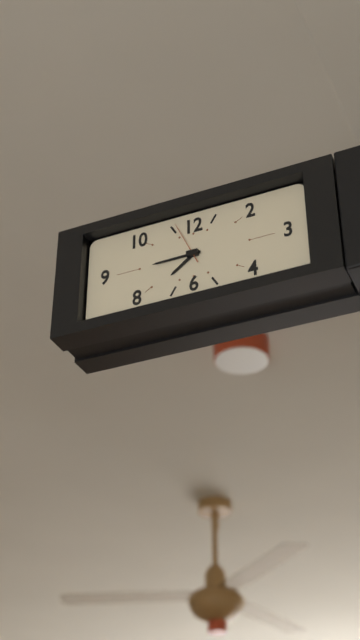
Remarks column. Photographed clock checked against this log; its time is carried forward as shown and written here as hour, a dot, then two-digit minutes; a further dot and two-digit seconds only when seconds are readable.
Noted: 7.45
